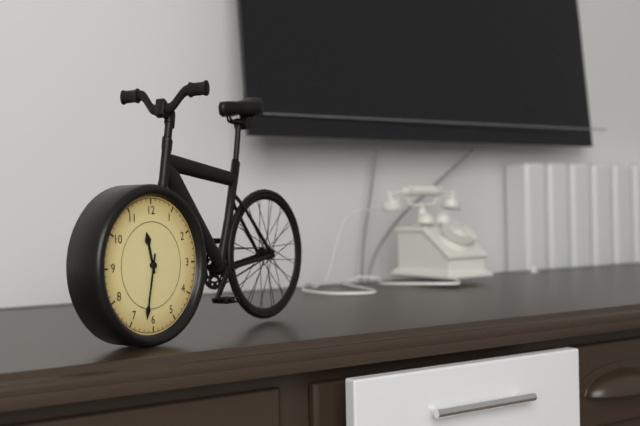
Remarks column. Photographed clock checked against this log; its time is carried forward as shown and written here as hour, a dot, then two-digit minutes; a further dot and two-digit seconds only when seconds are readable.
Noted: 11.32
